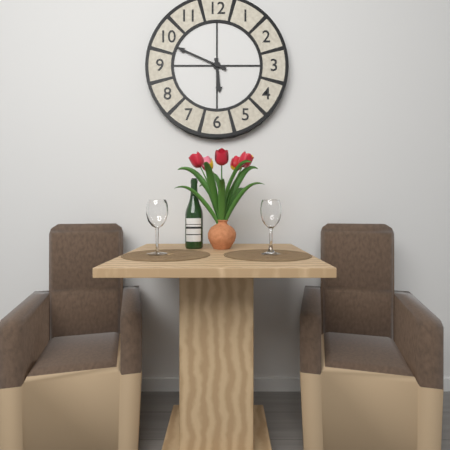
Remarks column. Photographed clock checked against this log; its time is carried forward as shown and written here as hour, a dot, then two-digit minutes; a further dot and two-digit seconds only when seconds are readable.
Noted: 5.49
